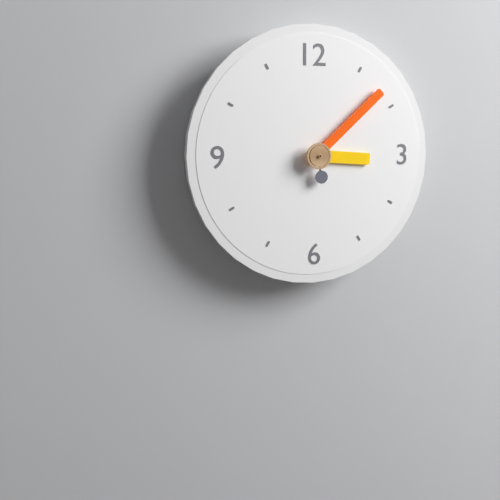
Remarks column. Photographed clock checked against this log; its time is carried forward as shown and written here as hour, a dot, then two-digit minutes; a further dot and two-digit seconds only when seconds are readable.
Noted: 3.08
